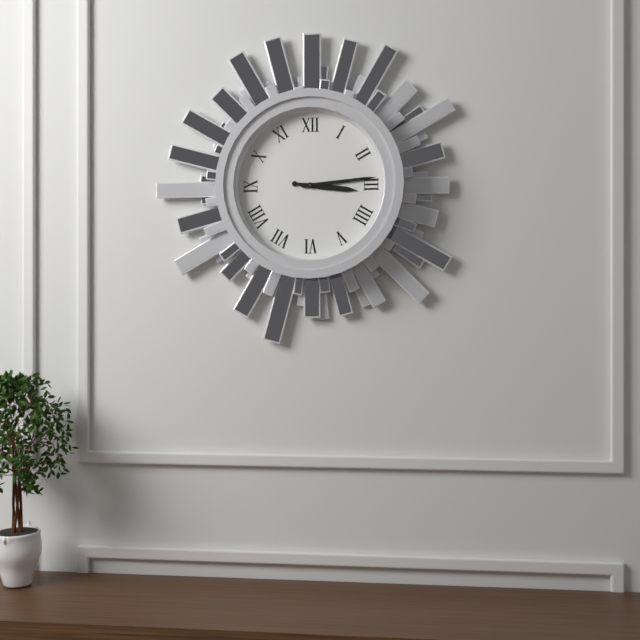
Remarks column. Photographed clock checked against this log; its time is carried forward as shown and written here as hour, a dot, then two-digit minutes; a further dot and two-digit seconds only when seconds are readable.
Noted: 3.14
